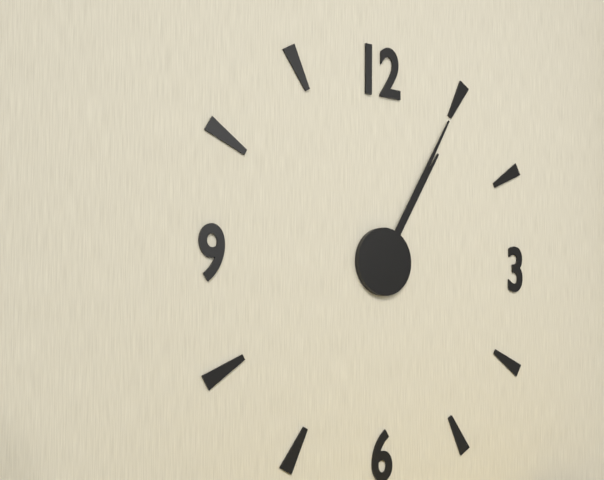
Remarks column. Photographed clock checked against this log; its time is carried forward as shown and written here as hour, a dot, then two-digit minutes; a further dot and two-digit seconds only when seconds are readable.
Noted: 1.05
